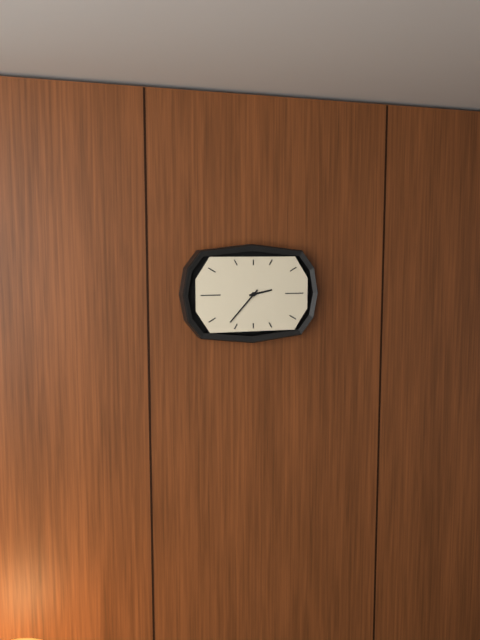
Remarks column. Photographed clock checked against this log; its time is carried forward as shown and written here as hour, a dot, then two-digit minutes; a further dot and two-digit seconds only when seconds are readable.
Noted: 2.37
